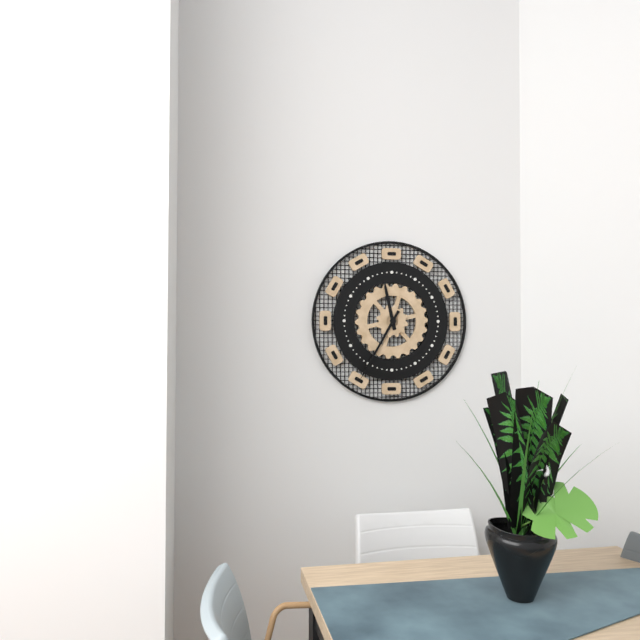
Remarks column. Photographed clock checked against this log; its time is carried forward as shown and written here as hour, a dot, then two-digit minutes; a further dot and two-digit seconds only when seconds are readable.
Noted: 11.35
